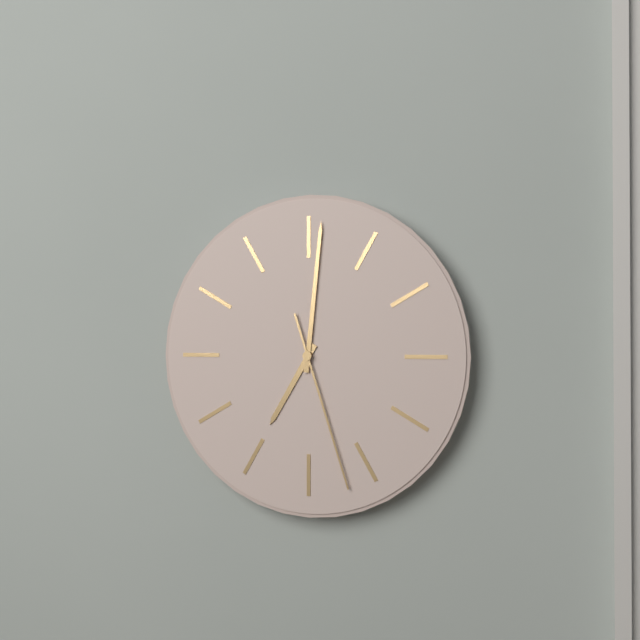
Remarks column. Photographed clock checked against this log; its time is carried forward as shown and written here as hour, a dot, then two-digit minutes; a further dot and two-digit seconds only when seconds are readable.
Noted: 7.01.27
